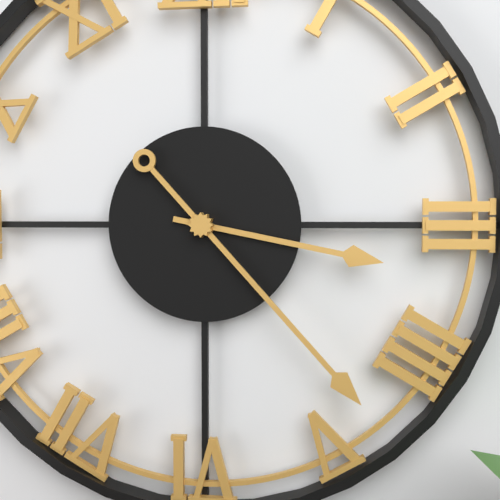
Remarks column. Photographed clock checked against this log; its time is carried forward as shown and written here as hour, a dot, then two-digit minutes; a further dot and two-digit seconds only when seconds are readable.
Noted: 3.23
